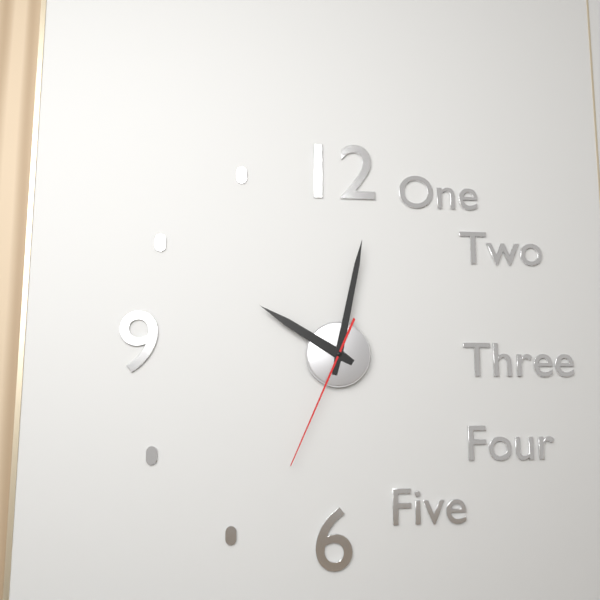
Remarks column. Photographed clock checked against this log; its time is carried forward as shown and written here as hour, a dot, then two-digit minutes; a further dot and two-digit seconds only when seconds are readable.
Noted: 10.02.34
